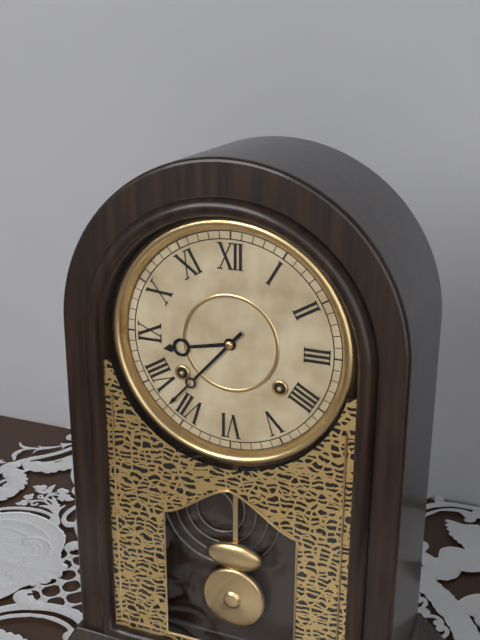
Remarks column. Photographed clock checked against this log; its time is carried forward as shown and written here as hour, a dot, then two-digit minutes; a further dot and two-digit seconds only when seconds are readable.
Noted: 8.37
